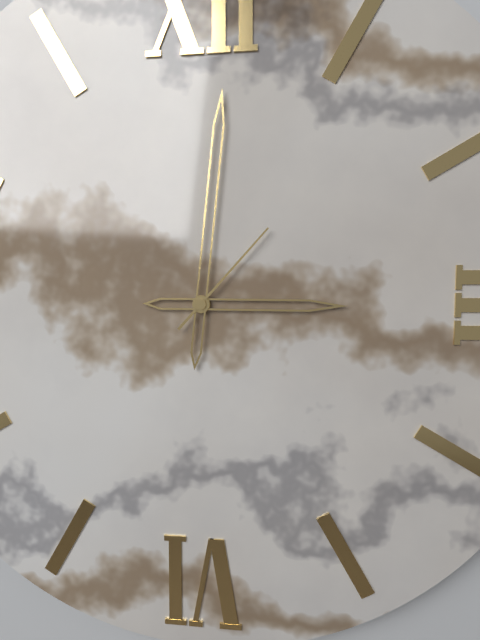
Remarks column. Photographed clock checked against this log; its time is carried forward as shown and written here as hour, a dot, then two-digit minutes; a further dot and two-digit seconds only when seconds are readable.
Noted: 3.01.07
